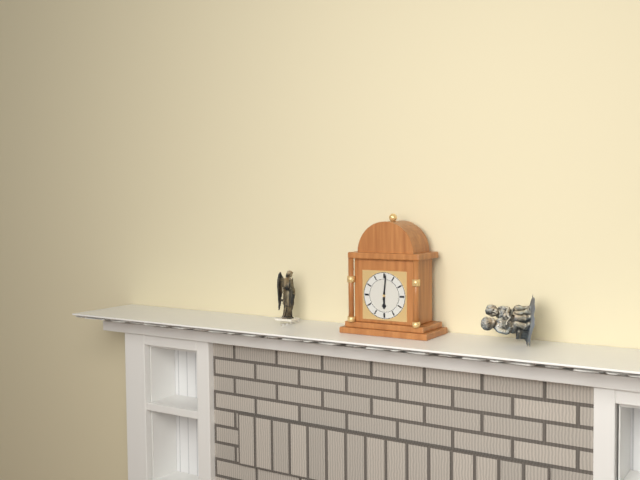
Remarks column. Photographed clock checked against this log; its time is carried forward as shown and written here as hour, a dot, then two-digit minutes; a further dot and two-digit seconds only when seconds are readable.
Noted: 6.01
